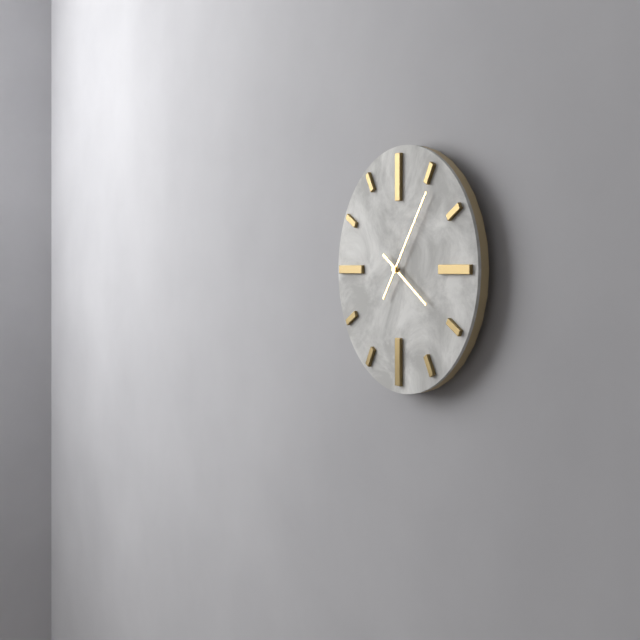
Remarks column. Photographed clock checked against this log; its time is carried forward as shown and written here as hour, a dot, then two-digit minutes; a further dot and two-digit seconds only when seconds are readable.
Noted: 4.06
